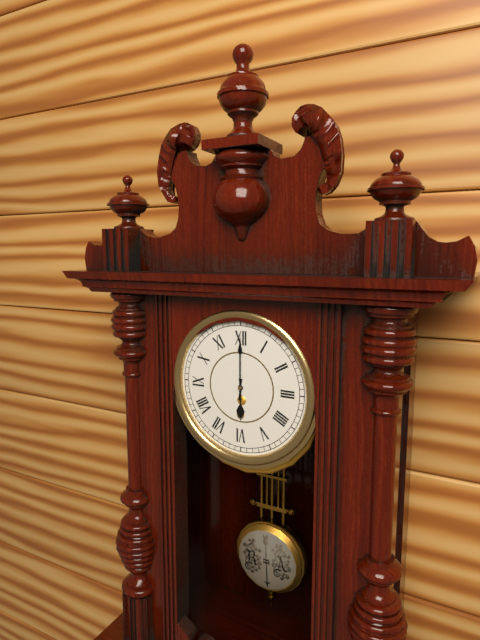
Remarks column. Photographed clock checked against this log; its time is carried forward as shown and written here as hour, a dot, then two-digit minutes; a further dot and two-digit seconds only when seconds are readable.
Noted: 6.00
